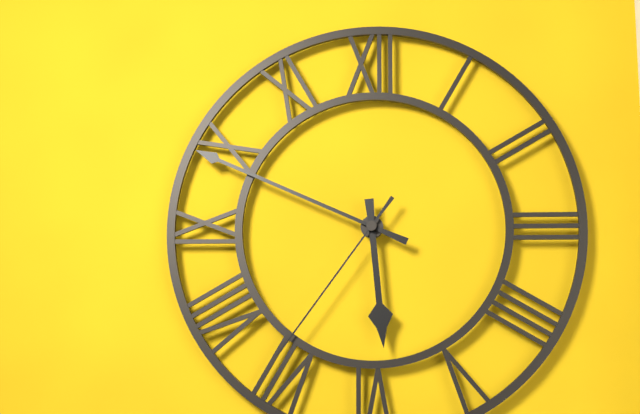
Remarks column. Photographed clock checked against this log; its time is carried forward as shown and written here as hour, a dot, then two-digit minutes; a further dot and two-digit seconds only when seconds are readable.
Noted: 5.49.36
